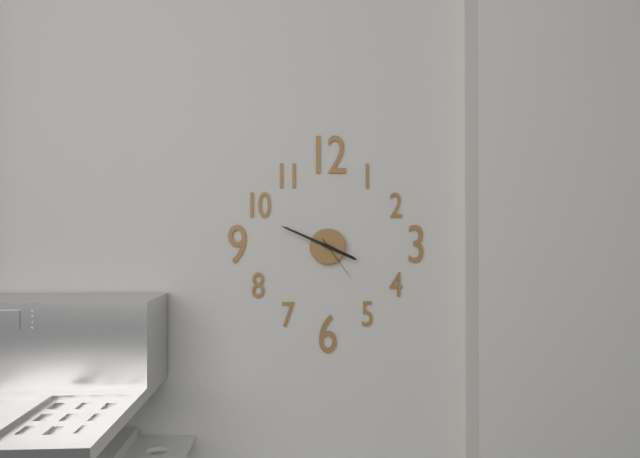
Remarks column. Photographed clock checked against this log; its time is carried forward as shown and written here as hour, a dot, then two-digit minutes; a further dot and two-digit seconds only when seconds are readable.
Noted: 3.49.24
